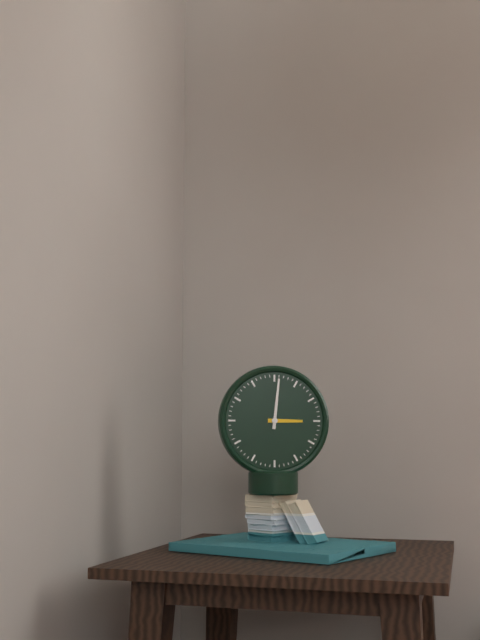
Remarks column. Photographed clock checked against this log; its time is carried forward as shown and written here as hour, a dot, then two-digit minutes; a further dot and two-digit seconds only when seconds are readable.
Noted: 3.01
